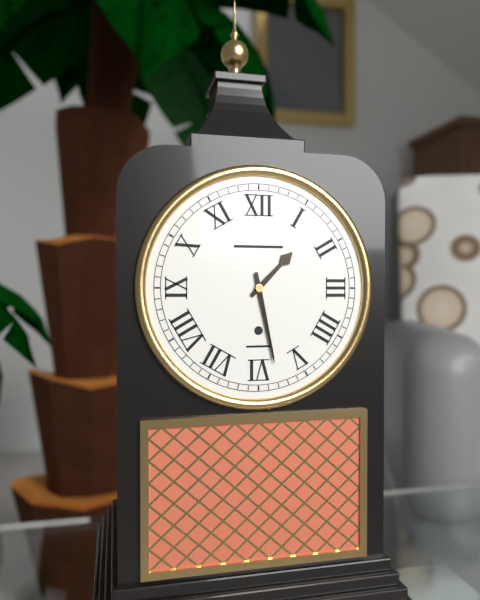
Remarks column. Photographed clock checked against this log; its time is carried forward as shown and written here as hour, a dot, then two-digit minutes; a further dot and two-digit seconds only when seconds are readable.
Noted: 1.28
